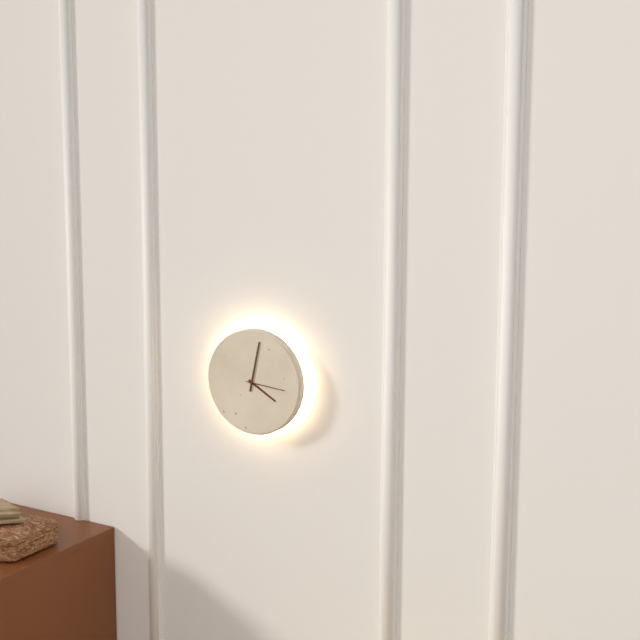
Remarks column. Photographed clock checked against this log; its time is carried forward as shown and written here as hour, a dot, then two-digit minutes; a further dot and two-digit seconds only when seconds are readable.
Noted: 4.02
